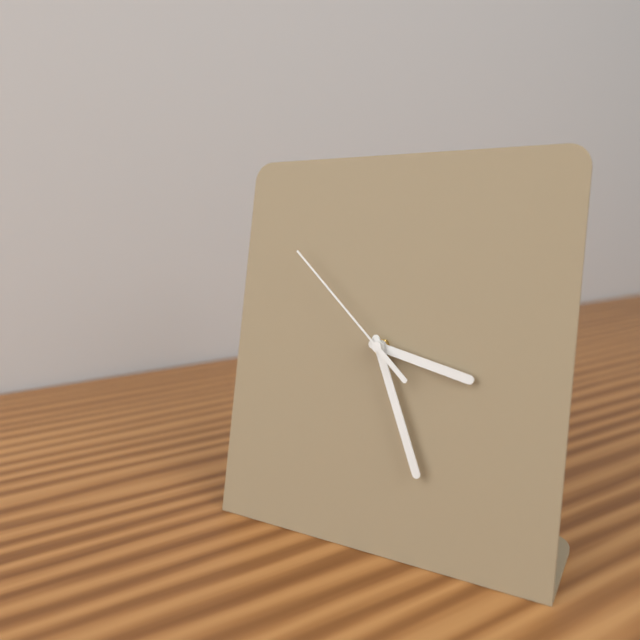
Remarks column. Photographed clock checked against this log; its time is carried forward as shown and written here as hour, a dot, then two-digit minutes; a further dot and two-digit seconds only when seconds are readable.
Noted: 3.26.52
